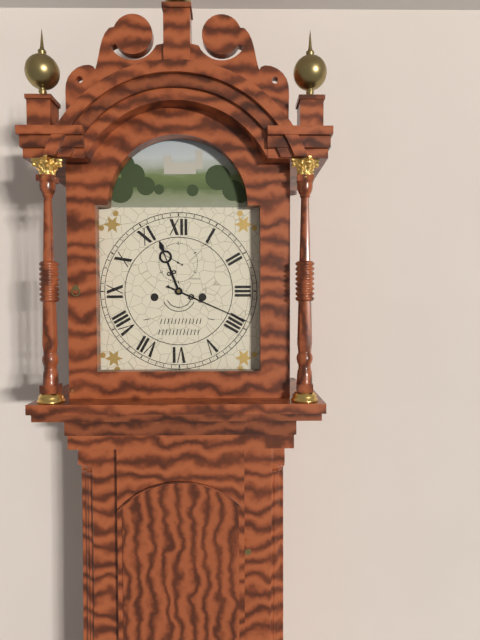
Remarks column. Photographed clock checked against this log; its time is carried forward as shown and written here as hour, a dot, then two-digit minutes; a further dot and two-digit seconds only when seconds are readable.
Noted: 11.19
